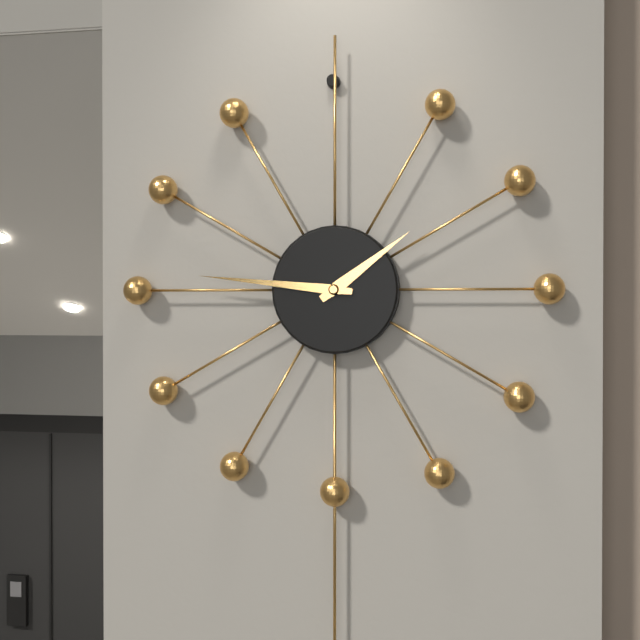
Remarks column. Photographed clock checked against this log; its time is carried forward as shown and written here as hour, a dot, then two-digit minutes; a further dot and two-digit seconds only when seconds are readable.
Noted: 1.46
